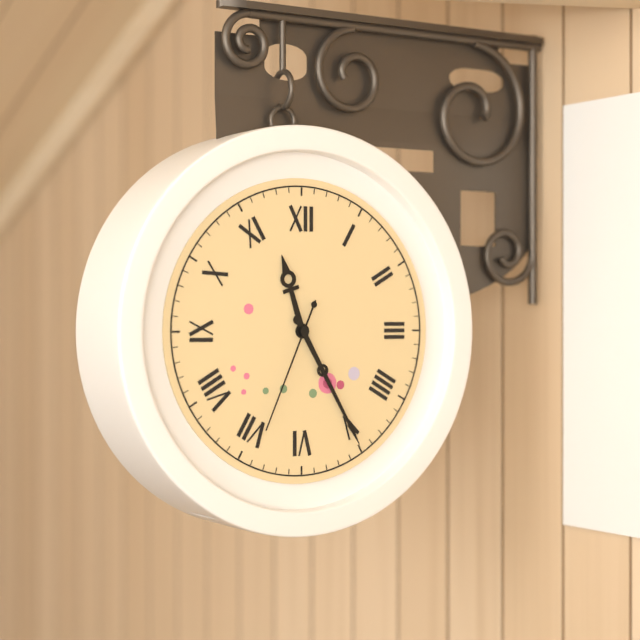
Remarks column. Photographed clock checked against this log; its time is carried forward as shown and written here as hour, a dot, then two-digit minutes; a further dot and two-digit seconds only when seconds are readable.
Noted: 11.25.34
